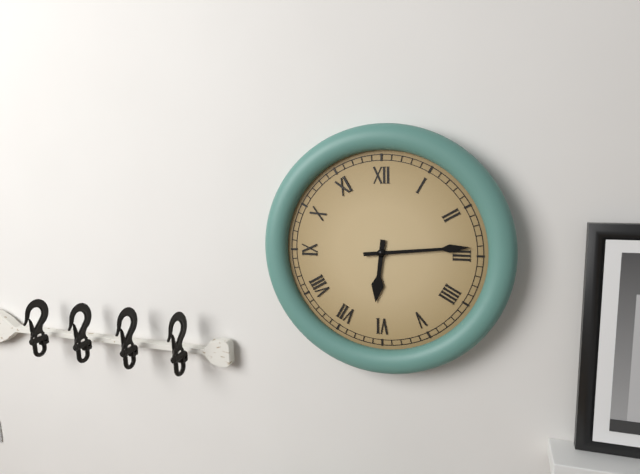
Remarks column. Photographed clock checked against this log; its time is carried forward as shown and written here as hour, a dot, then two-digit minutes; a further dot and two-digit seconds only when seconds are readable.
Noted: 6.14
